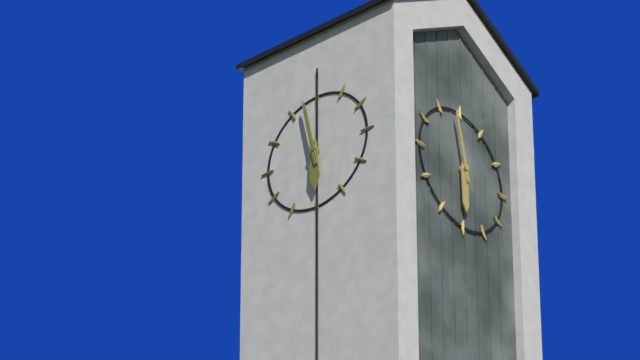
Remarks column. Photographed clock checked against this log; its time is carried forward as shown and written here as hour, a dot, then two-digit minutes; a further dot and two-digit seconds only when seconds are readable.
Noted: 5.58
